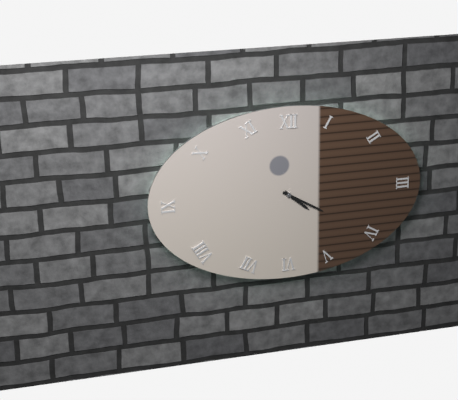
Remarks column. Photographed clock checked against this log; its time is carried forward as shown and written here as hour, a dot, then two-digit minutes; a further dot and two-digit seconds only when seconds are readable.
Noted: 4.20
